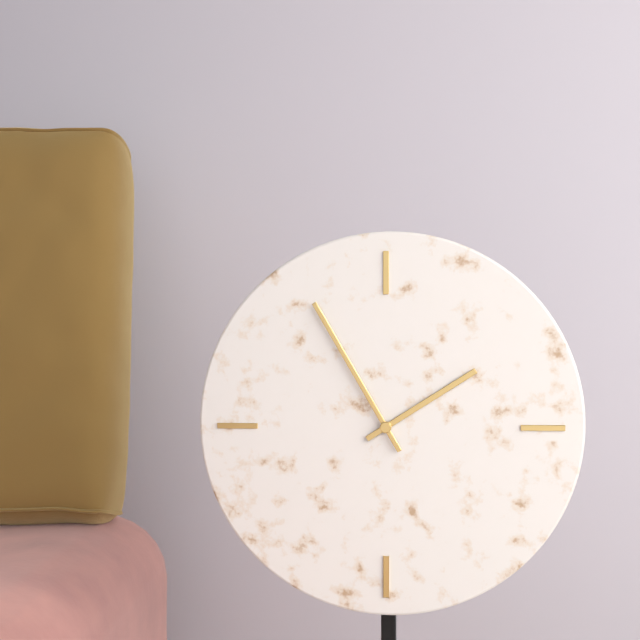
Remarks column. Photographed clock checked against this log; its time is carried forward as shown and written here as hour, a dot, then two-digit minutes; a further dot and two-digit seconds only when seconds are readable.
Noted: 1.55
